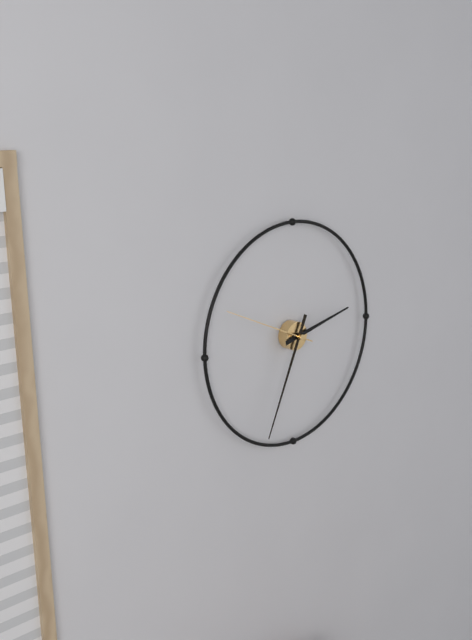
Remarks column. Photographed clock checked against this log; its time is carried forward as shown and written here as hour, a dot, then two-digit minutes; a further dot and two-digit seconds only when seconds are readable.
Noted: 2.34.49
